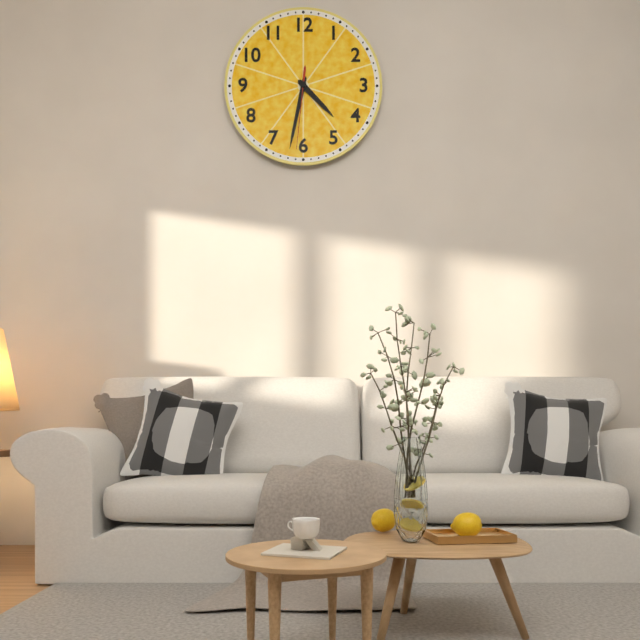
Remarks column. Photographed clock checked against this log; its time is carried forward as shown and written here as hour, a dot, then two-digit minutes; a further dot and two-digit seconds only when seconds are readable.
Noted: 4.32.31
